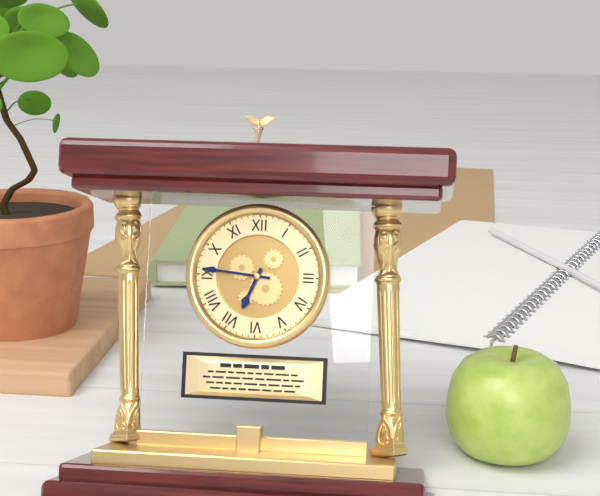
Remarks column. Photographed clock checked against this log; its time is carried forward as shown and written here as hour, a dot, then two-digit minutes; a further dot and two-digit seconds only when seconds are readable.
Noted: 6.46
